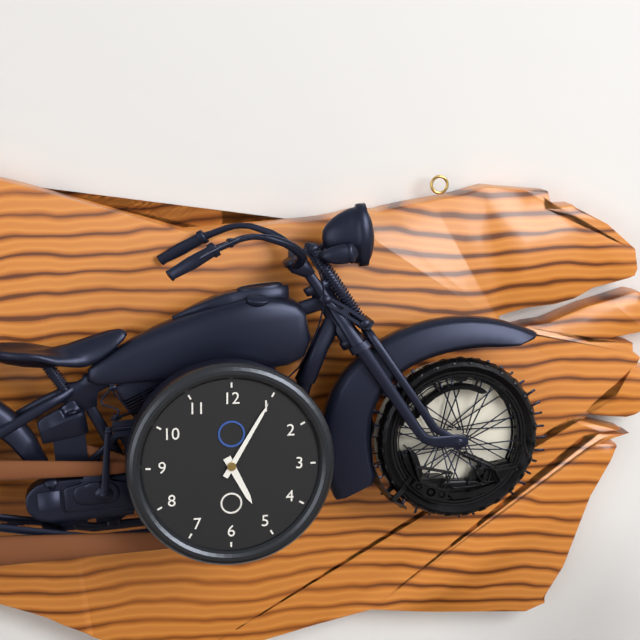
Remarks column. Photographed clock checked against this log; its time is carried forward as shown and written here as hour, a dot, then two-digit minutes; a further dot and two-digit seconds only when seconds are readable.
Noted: 5.05
